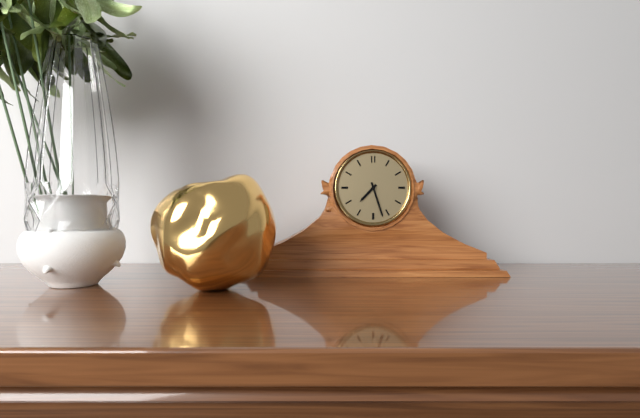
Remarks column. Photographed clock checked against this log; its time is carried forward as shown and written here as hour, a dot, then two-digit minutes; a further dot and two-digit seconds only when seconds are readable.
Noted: 7.27
